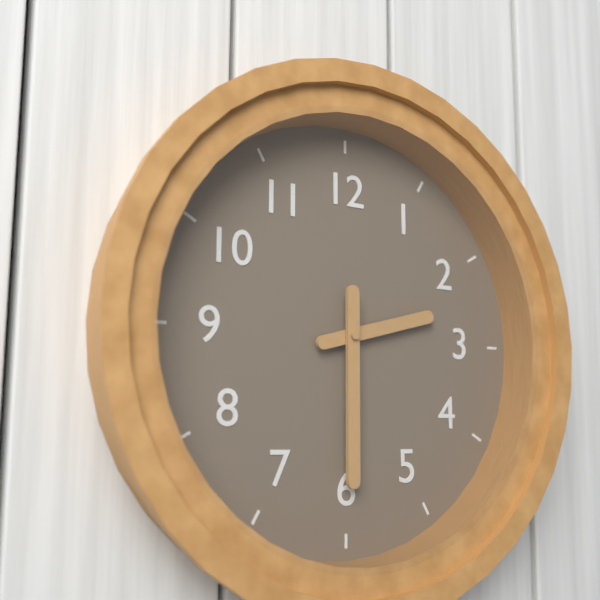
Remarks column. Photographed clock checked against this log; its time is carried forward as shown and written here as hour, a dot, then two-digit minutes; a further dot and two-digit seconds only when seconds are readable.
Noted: 2.30
